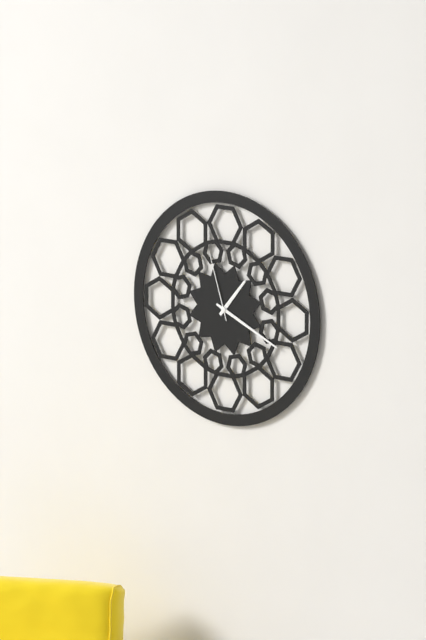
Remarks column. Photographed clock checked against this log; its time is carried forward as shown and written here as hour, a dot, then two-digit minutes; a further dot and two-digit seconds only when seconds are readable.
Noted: 1.19.57
